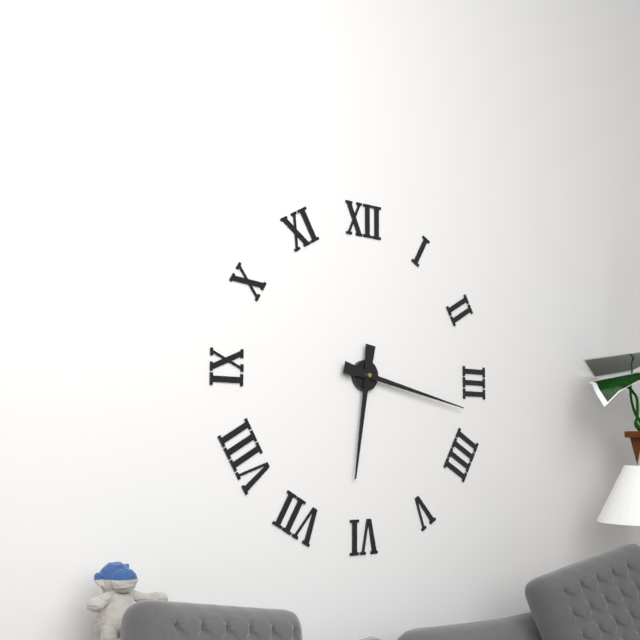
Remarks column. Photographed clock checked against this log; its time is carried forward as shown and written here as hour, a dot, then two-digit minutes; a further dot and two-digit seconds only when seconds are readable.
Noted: 6.17
